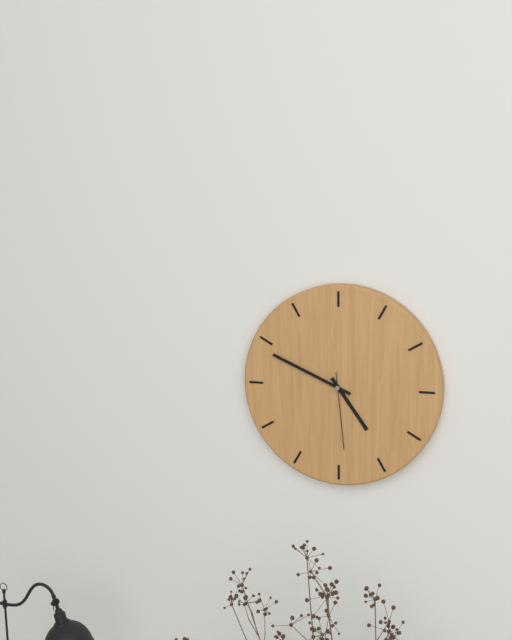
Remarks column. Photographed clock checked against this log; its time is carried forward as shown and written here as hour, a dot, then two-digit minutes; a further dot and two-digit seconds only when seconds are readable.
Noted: 4.49.29
